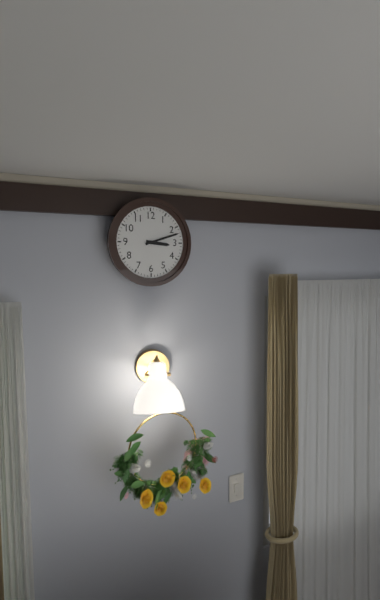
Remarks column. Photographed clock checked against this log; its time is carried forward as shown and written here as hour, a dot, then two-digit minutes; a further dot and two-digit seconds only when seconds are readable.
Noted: 3.12
